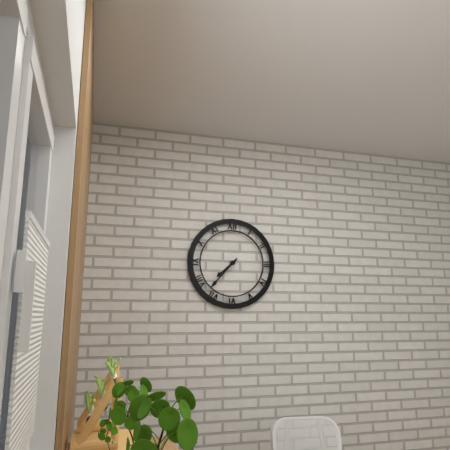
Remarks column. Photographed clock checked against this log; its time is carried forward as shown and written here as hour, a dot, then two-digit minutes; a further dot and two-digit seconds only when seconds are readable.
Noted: 7.37
